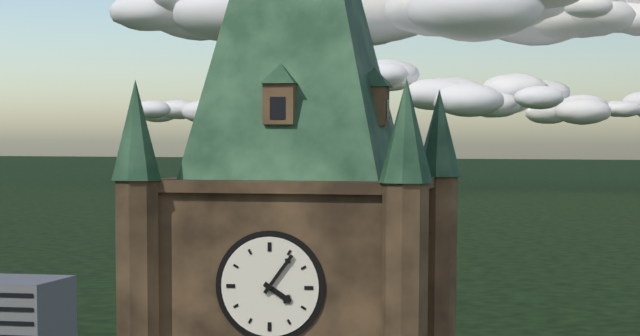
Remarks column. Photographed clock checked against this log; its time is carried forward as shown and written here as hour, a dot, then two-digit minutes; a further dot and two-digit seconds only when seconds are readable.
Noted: 4.06
